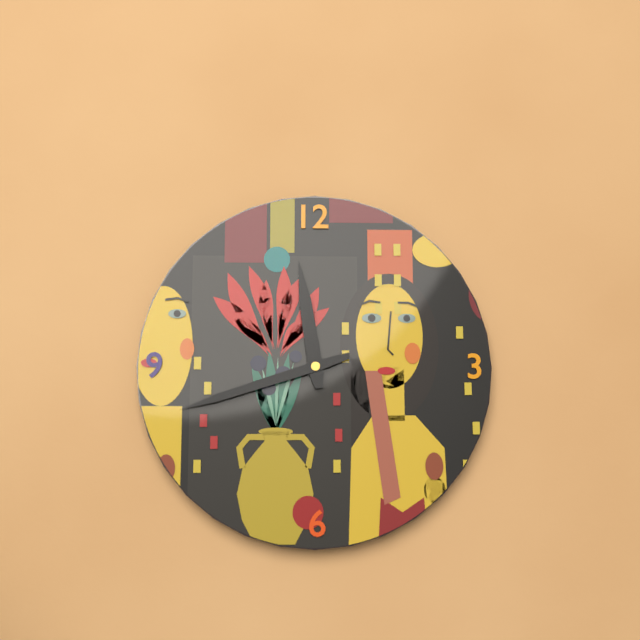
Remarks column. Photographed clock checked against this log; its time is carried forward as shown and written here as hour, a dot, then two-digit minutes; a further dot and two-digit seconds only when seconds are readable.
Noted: 11.42
